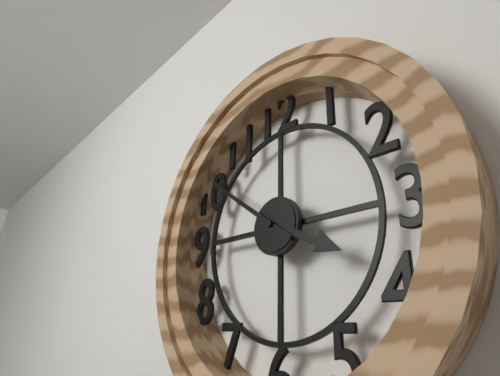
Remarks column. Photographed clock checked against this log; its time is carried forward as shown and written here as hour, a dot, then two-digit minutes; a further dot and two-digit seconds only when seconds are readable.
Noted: 3.51
